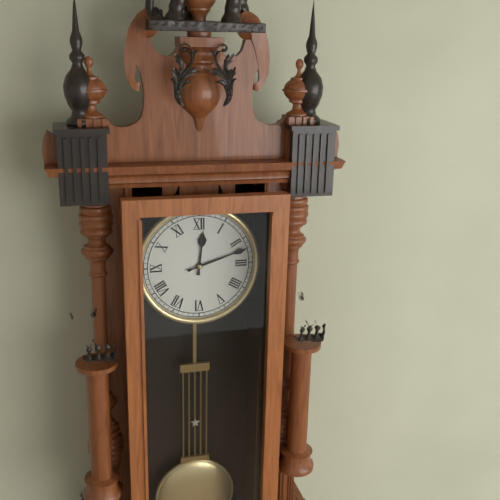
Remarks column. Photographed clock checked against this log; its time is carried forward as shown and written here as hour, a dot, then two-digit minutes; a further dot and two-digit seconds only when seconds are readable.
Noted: 12.12
